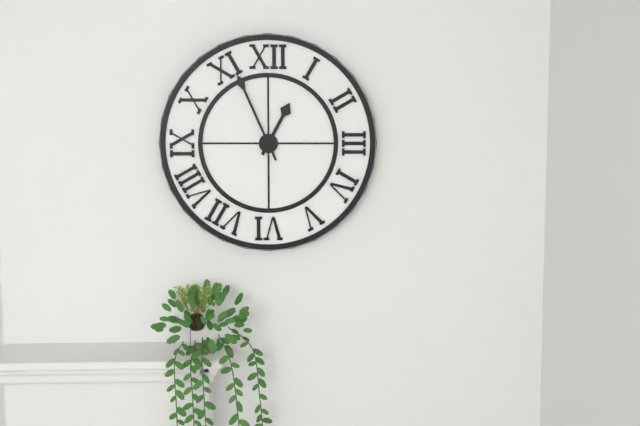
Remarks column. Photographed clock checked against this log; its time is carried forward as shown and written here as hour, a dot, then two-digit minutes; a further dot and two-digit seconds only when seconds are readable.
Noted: 12.56
